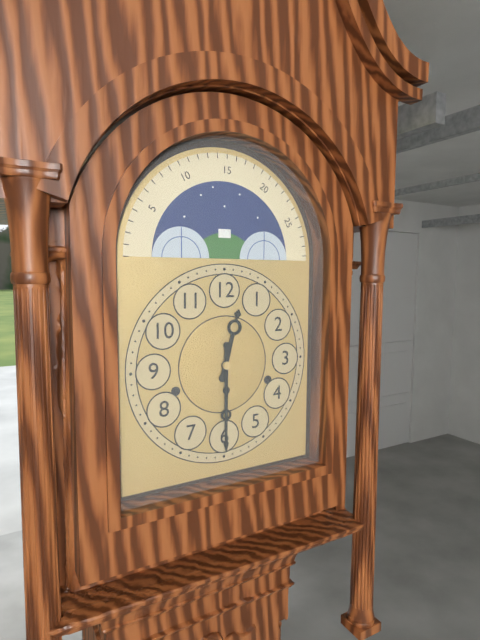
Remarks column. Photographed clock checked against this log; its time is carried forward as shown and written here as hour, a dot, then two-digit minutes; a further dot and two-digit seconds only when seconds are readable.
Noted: 12.30
